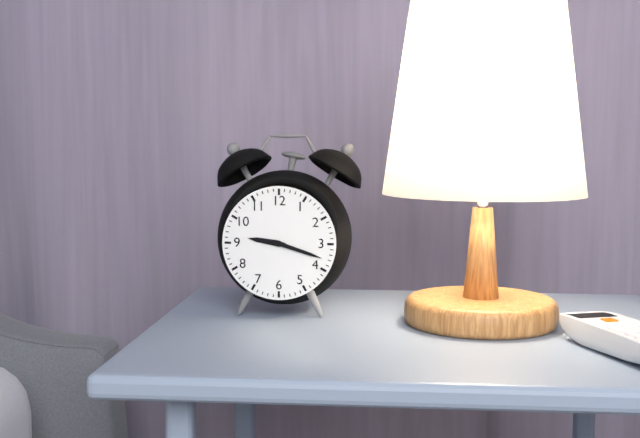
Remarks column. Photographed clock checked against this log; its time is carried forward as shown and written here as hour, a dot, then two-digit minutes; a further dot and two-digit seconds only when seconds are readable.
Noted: 9.18
